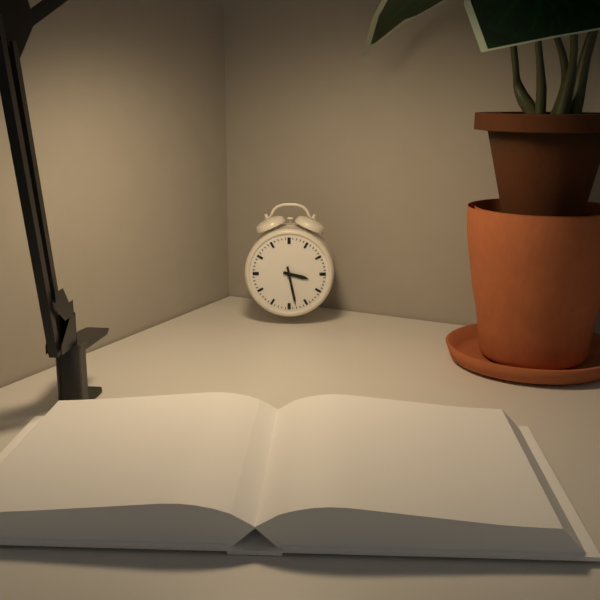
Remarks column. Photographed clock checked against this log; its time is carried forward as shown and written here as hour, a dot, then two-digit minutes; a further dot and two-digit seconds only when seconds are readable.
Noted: 3.28
